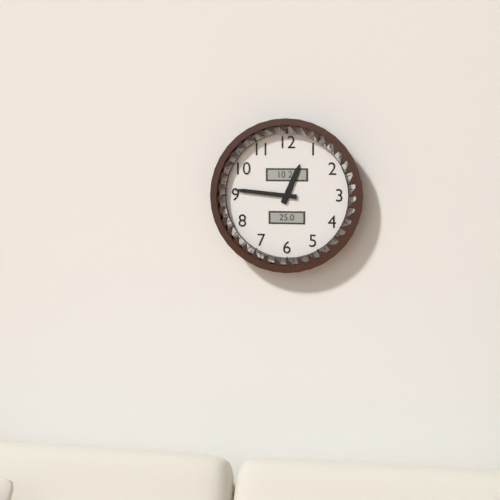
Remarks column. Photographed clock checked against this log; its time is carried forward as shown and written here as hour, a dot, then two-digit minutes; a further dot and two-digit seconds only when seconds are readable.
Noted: 12.46
